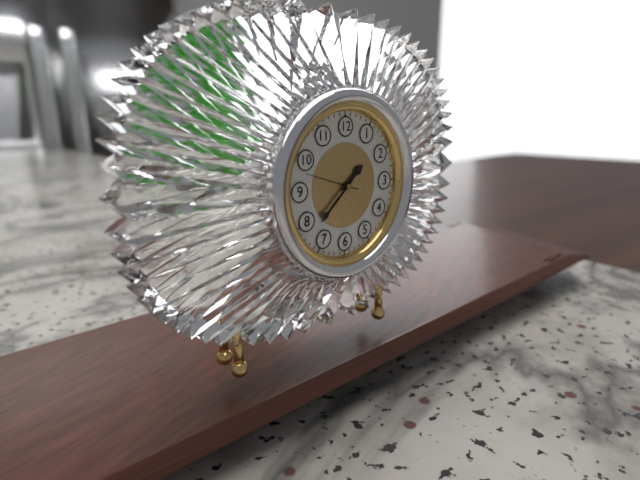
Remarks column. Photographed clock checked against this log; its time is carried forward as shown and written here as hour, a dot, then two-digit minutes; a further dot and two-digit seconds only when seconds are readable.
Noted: 1.38.48
